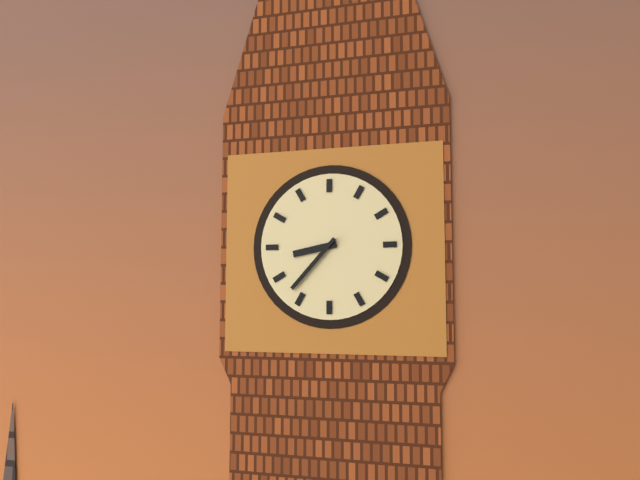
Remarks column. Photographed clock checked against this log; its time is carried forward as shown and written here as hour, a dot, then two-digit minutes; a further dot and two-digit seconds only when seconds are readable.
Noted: 8.37
